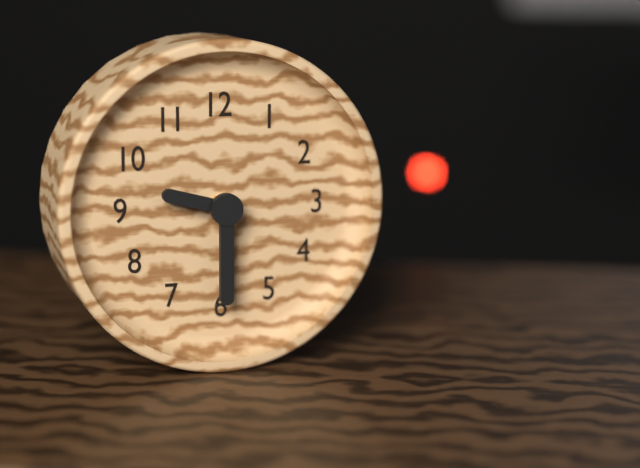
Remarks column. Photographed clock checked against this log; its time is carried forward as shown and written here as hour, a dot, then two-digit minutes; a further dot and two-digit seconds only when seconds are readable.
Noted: 9.30
